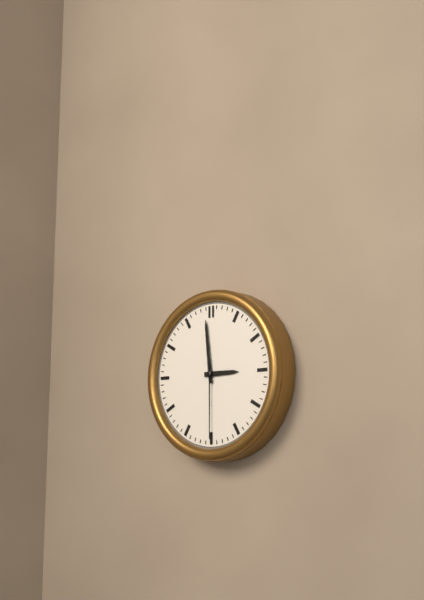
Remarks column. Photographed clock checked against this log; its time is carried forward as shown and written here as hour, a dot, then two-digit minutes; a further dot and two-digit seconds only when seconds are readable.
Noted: 2.59.30
